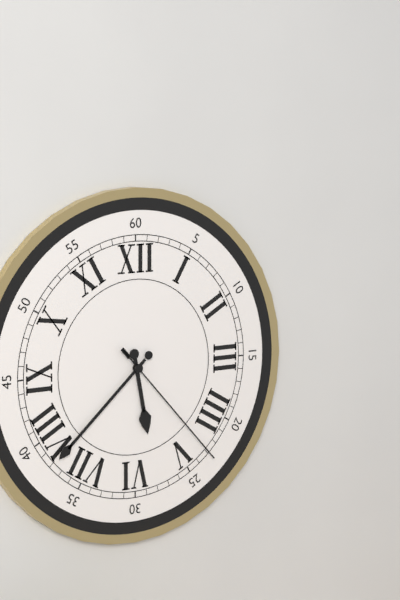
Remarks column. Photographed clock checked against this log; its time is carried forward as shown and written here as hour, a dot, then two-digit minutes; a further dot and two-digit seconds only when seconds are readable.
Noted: 5.38.23
